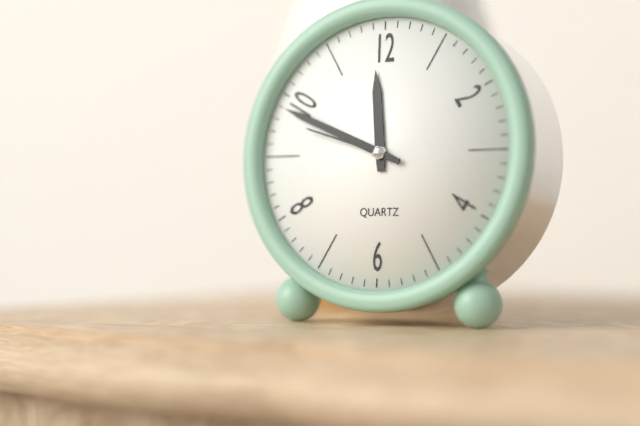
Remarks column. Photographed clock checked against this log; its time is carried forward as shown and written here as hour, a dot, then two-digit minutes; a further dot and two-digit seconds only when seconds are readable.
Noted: 11.49.48
